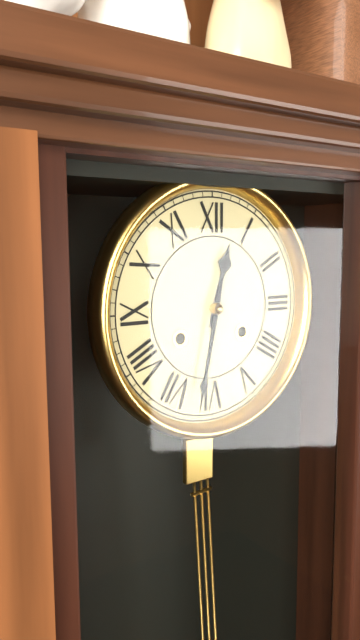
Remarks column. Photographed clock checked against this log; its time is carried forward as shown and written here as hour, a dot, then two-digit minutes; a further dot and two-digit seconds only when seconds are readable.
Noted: 12.32
